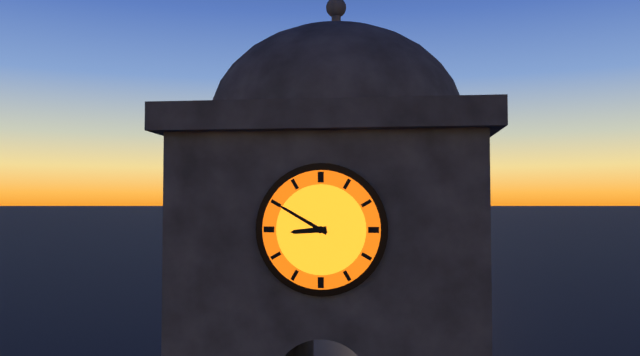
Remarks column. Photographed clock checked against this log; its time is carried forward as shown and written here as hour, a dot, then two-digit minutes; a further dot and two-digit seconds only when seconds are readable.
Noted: 8.50
